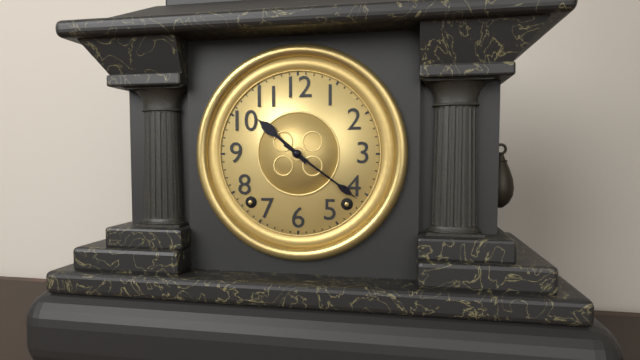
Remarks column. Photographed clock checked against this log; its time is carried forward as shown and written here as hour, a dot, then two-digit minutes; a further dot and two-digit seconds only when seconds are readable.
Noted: 10.21
